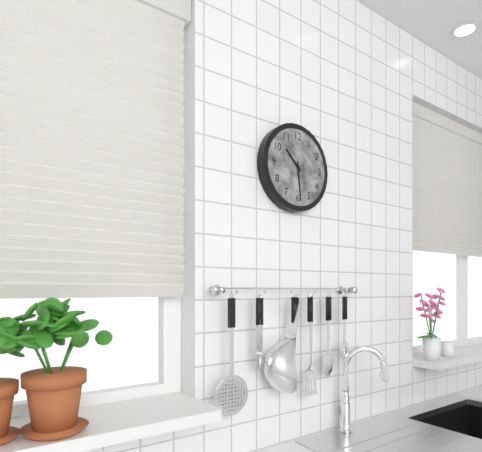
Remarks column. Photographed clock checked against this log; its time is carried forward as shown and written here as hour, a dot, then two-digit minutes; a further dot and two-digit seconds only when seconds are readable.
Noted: 10.29
